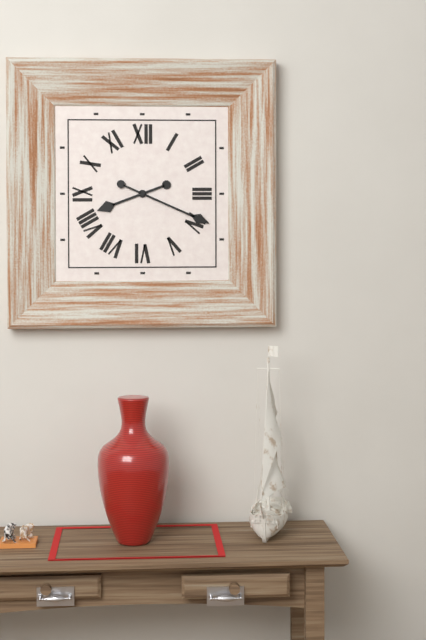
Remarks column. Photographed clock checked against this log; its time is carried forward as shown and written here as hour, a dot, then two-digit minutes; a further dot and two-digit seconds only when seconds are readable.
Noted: 8.19
